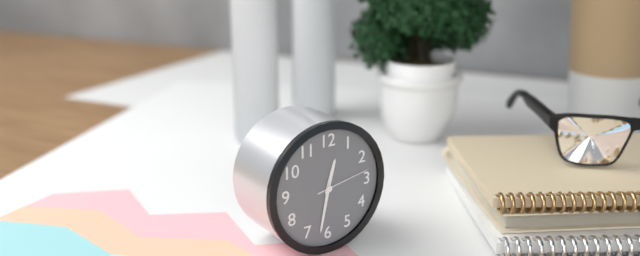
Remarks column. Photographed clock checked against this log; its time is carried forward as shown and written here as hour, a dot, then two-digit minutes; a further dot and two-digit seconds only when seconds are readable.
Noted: 12.32.13
